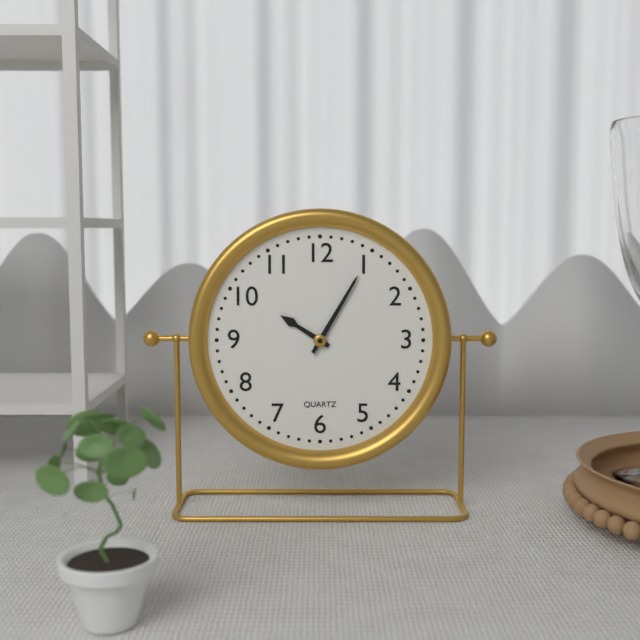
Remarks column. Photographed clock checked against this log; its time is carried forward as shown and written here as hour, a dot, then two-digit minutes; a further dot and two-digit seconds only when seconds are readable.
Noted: 10.05
